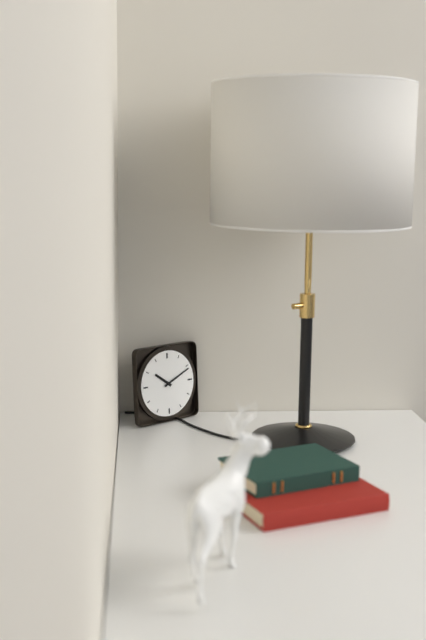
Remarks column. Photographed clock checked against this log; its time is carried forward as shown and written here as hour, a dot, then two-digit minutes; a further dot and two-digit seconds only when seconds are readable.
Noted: 10.11
